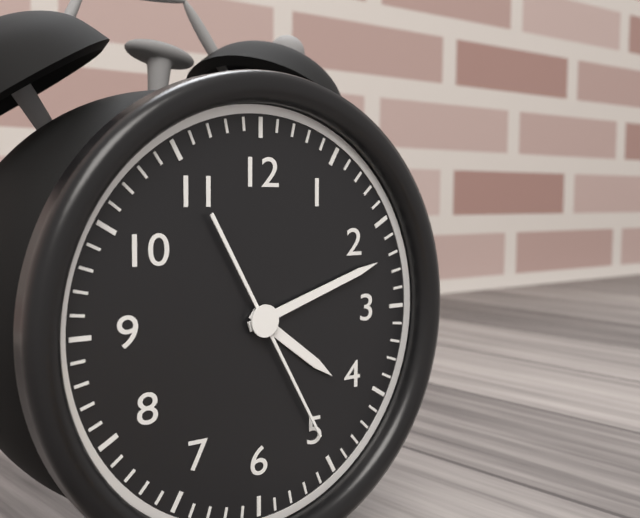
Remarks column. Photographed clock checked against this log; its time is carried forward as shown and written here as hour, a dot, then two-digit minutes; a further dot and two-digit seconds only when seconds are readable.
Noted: 4.12.25
